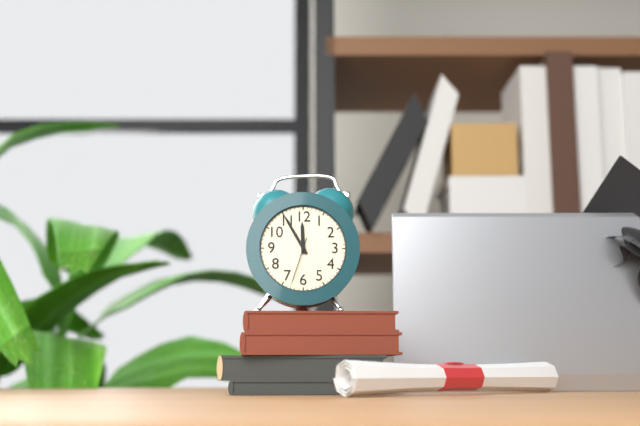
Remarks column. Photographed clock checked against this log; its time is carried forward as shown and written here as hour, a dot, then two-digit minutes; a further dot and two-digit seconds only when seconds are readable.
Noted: 11.55.33
